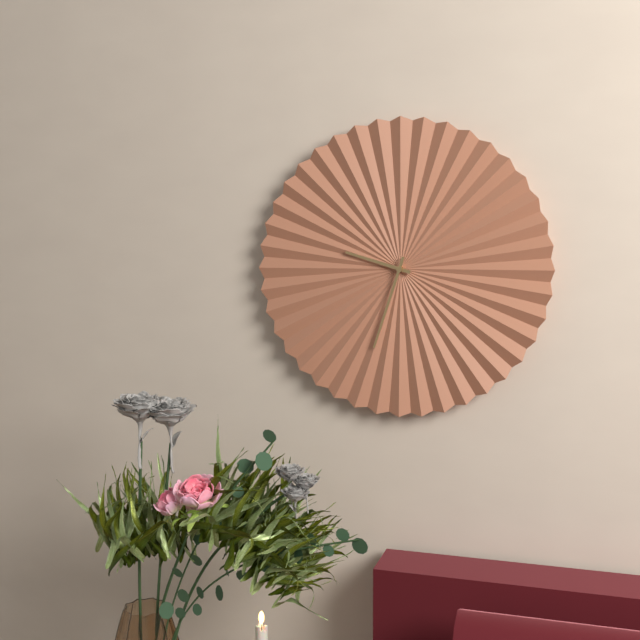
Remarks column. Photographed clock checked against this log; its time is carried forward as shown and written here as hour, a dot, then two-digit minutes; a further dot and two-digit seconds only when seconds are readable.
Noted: 9.33
